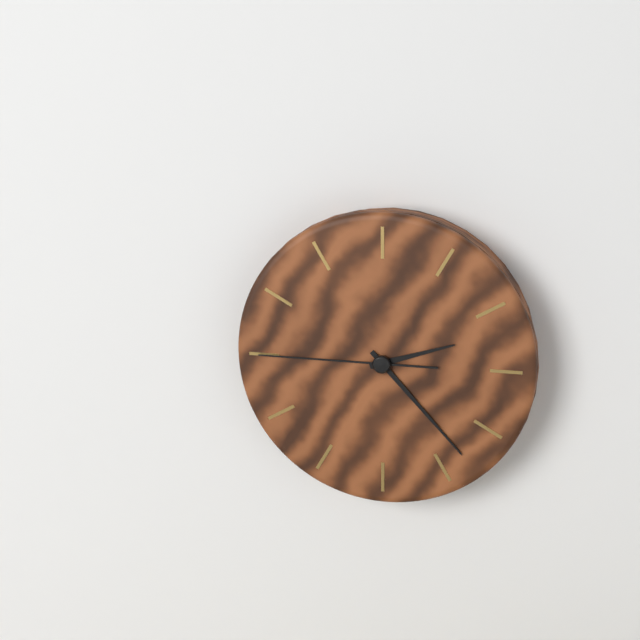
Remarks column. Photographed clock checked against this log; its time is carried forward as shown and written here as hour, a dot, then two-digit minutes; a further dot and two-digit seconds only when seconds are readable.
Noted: 2.23.45
